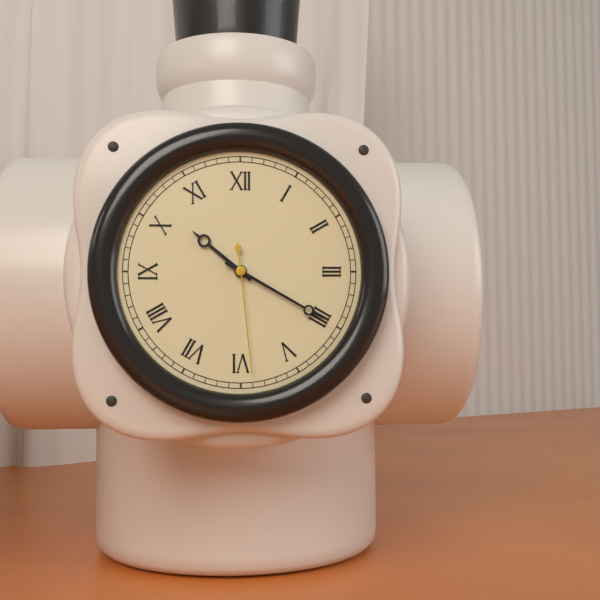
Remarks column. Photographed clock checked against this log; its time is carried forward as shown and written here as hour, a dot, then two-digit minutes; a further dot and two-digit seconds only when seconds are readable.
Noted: 10.20.29
